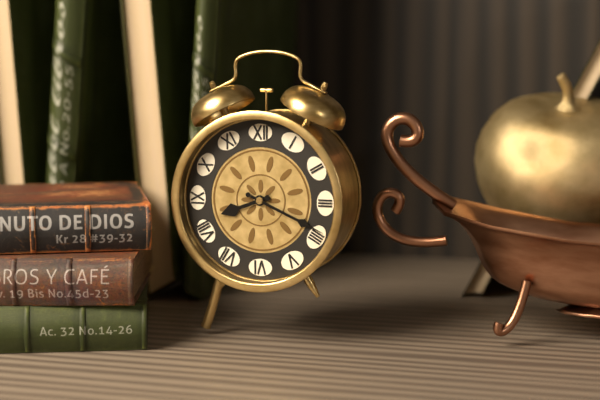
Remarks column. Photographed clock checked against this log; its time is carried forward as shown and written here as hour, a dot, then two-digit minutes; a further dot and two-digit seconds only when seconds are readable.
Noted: 8.19
